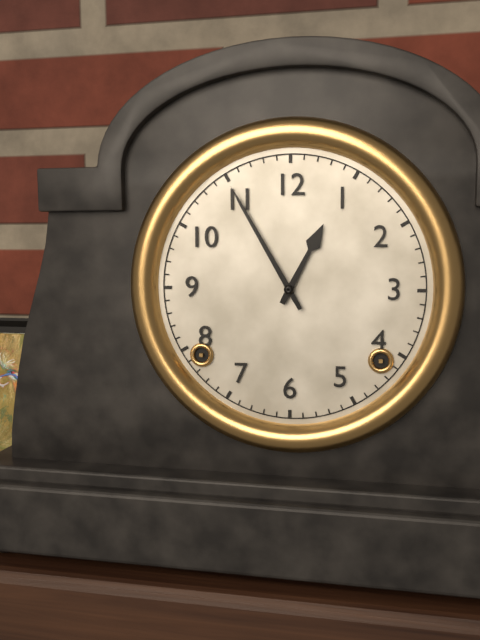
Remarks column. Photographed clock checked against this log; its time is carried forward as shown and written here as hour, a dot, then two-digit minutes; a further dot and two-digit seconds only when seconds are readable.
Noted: 12.55
